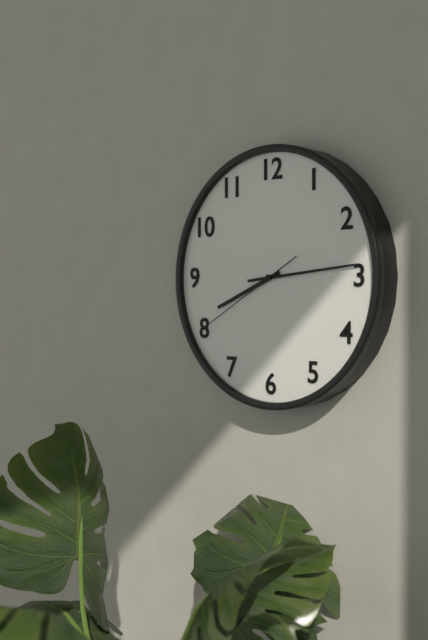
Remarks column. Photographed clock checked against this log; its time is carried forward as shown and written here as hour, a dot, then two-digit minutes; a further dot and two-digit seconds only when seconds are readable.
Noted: 8.14.40
